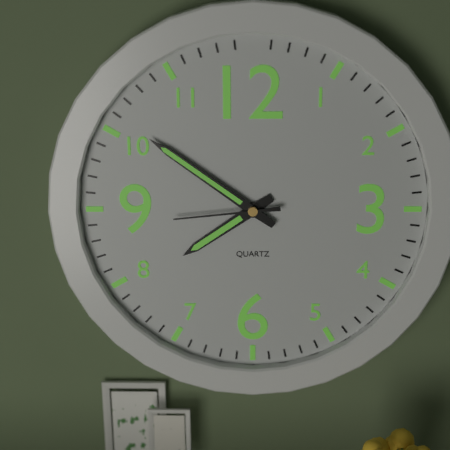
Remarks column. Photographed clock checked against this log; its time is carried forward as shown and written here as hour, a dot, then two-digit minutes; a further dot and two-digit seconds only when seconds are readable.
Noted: 7.51.44
